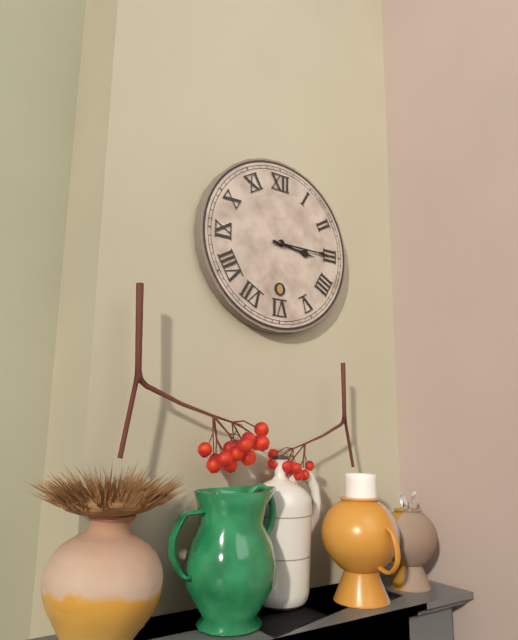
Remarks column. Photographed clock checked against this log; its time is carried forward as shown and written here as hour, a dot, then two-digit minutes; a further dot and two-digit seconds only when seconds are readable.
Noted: 3.15
